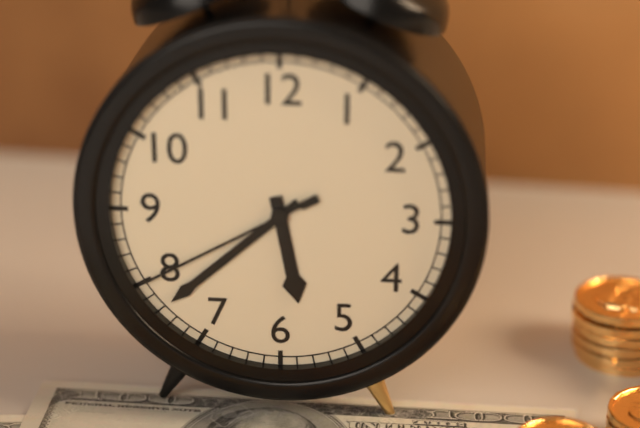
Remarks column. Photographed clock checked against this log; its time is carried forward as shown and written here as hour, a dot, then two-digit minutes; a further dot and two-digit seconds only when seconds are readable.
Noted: 5.38.40
